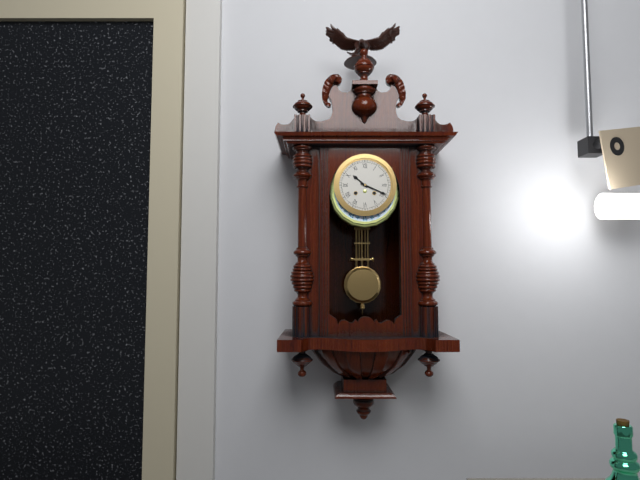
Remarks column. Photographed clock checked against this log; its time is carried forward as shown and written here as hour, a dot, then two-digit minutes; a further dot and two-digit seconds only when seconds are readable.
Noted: 10.19
